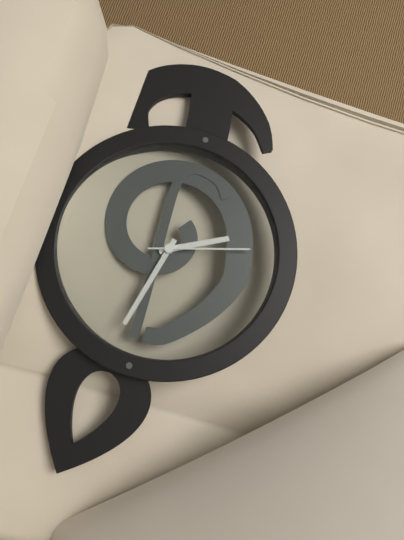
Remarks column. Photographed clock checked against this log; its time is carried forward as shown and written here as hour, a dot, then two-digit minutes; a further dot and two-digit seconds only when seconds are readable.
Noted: 8.02.42
